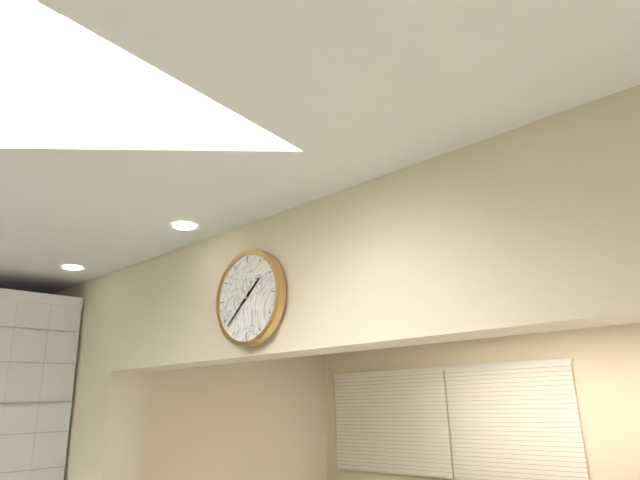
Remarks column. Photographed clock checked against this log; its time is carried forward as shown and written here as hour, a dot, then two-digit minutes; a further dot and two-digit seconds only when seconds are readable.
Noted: 1.38
